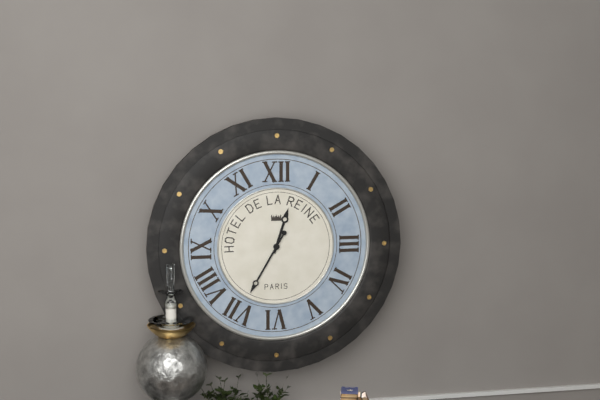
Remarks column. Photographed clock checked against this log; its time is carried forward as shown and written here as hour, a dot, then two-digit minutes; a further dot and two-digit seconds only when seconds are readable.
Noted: 12.35
